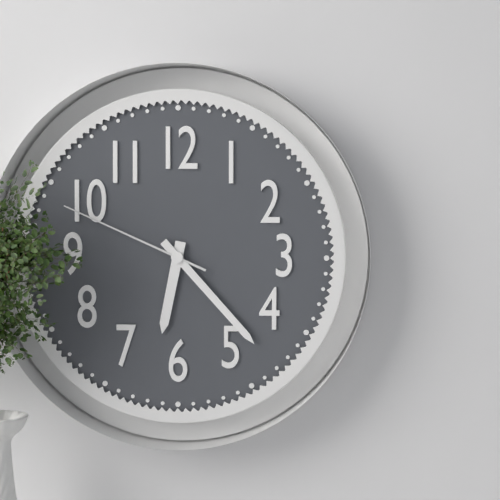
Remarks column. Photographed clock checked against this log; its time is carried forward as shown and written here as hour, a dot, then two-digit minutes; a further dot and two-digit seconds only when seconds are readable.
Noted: 6.23.49
